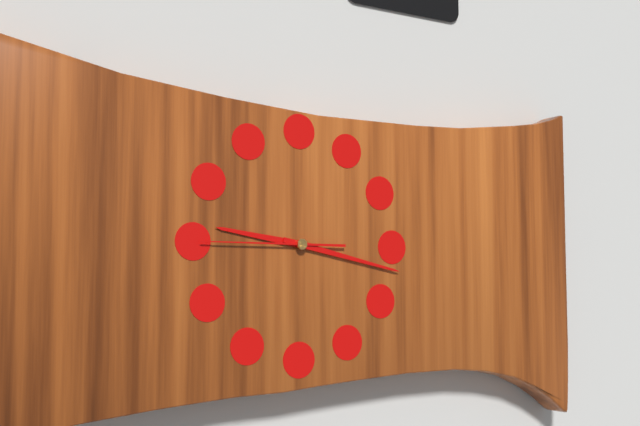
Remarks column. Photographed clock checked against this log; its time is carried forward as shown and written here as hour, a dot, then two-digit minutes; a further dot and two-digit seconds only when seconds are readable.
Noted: 9.17.45
